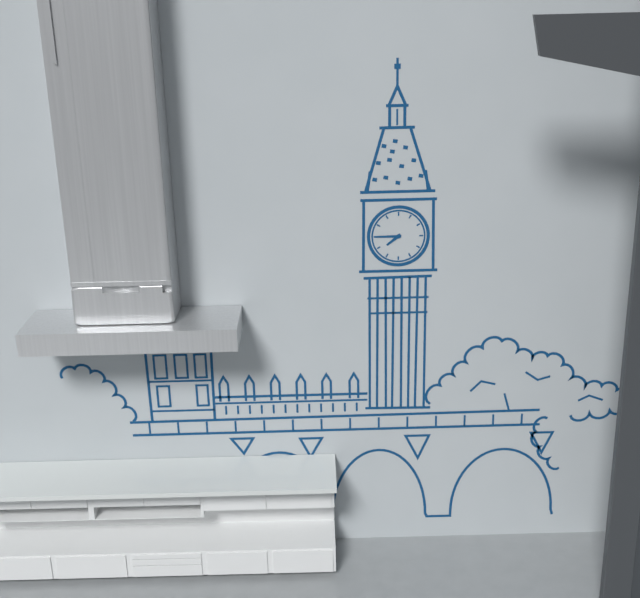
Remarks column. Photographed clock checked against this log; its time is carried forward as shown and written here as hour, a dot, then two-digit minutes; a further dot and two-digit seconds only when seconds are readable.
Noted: 7.45
